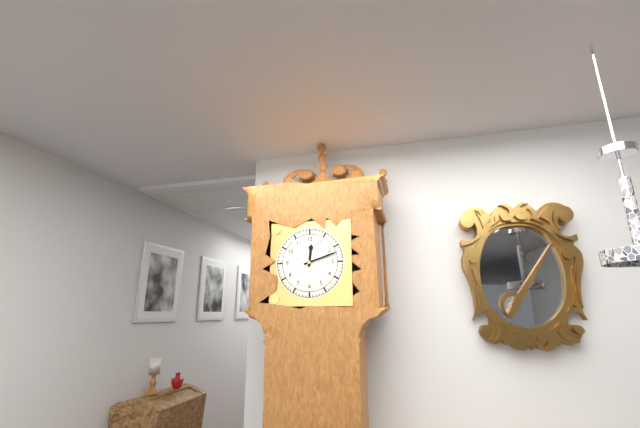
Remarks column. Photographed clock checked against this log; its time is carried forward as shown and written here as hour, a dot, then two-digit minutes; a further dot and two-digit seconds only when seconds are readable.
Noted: 12.12
